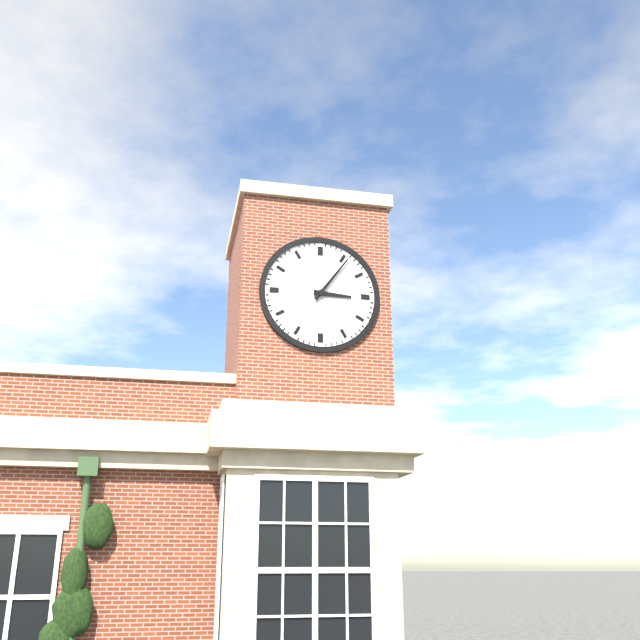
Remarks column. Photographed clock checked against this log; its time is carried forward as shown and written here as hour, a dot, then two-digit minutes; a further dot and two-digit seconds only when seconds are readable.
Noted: 3.06
